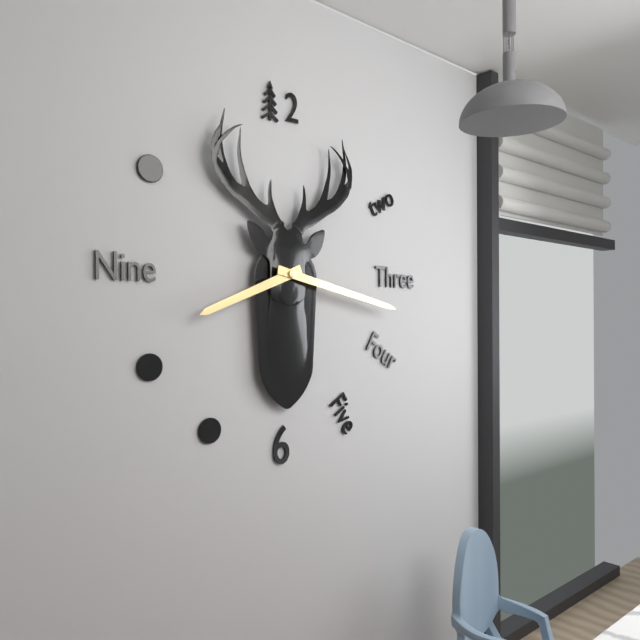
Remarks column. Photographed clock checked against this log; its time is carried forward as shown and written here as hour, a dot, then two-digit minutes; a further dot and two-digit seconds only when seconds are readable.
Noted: 8.17
